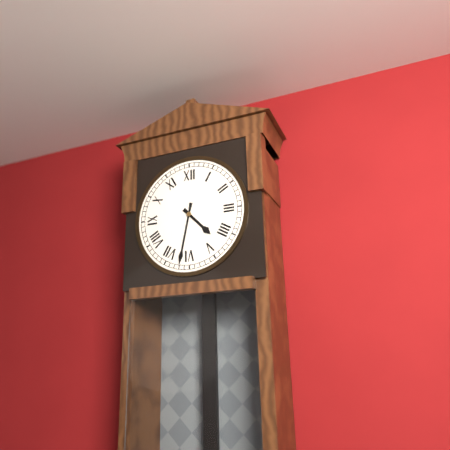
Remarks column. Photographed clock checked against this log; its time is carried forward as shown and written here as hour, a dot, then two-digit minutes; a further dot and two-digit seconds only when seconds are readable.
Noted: 4.32
